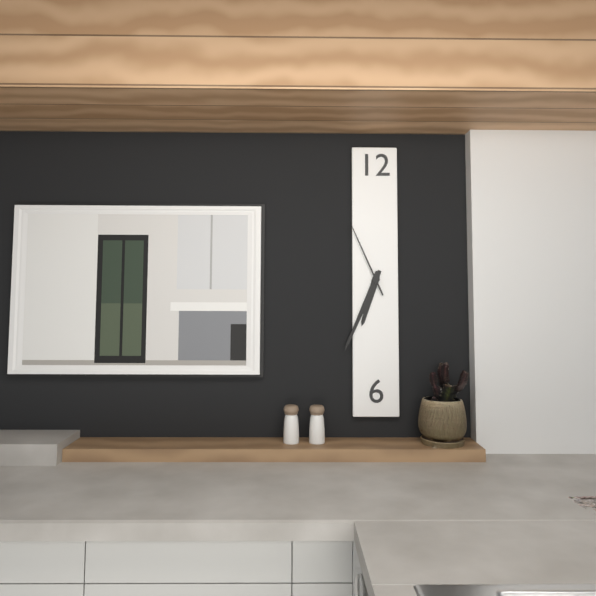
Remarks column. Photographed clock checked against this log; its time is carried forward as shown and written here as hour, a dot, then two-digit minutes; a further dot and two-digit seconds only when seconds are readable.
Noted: 6.34.56
